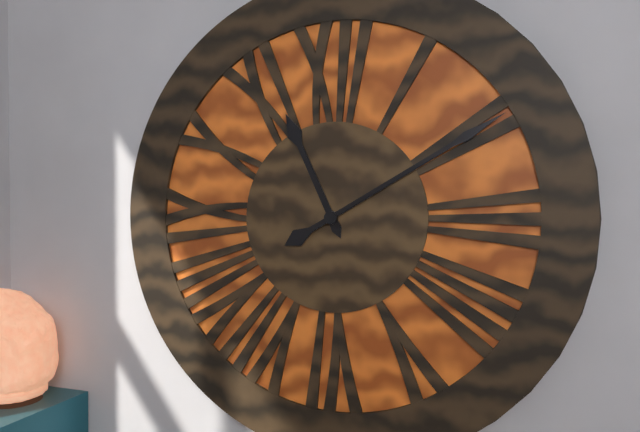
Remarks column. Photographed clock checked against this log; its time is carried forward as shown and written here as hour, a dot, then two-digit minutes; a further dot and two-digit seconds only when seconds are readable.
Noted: 11.10
